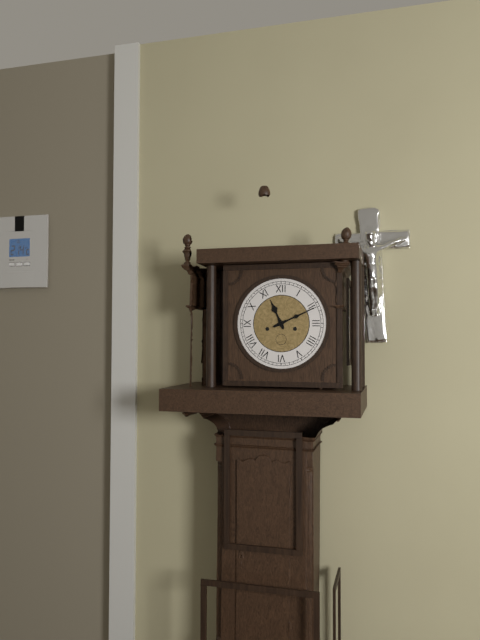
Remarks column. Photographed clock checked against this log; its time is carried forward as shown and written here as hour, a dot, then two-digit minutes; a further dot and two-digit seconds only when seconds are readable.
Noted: 11.11
